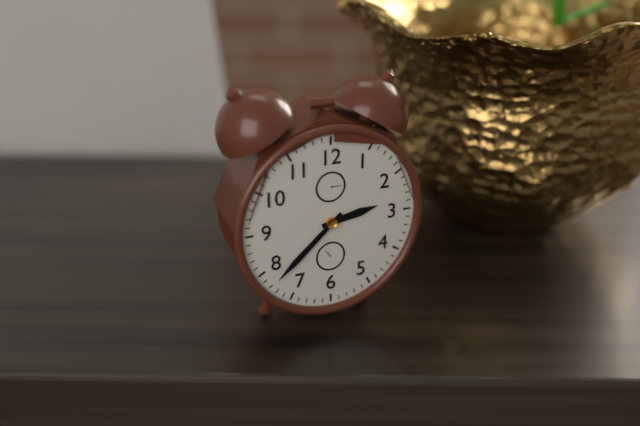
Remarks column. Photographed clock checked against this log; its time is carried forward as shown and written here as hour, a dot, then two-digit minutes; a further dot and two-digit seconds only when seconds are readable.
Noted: 2.38
